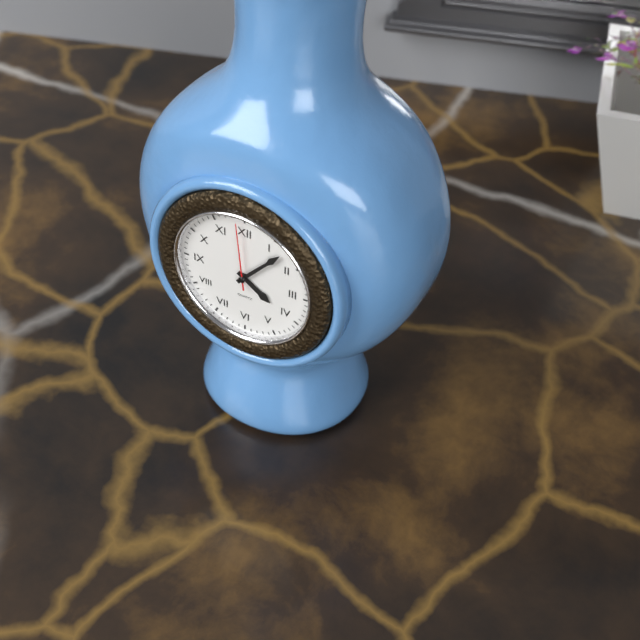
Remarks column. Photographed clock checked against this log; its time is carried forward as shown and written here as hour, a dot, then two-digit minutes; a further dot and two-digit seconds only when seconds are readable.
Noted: 4.07.59
